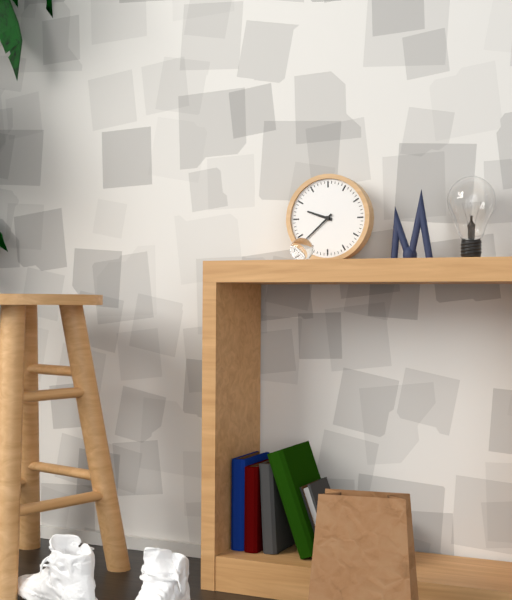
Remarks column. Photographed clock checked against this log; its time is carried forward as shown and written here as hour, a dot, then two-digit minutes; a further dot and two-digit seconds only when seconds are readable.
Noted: 9.38
